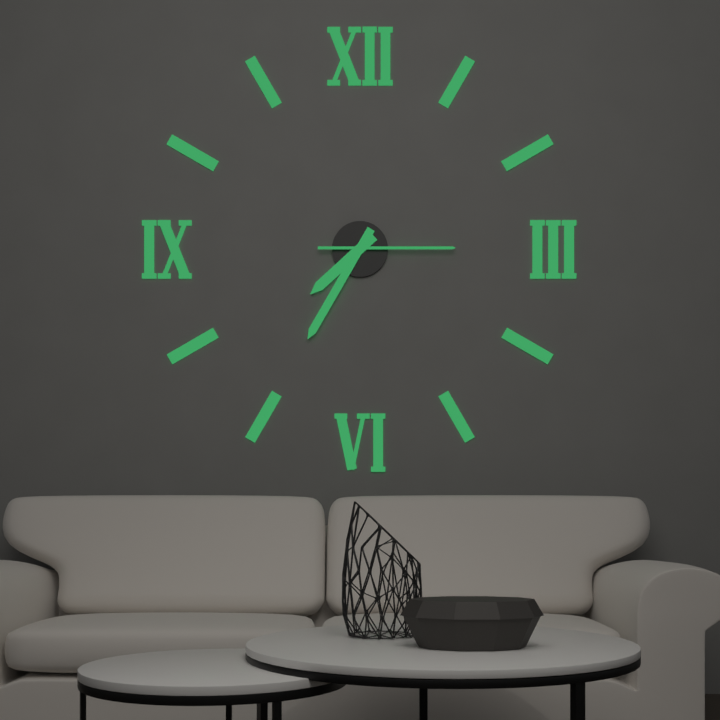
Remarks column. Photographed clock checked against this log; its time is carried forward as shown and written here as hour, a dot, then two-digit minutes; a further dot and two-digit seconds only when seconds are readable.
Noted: 7.35.15
